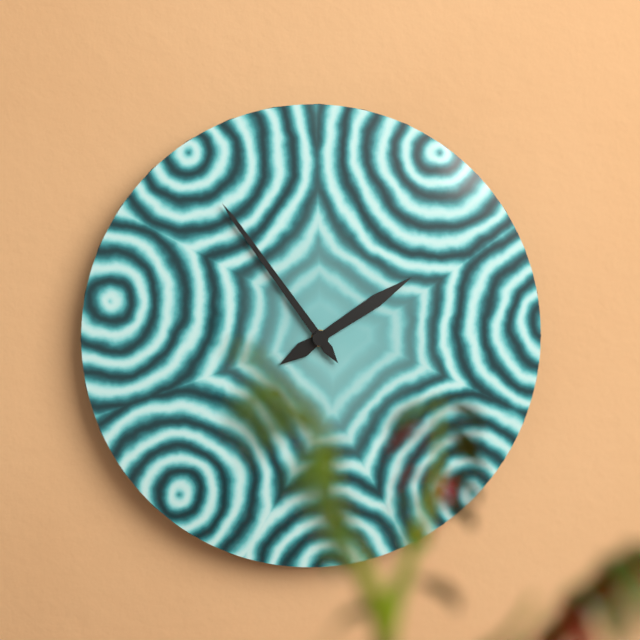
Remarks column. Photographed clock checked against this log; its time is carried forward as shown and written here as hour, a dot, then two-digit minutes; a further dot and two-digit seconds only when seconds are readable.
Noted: 1.54
